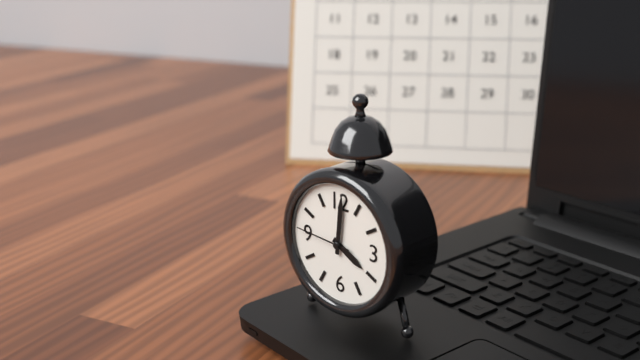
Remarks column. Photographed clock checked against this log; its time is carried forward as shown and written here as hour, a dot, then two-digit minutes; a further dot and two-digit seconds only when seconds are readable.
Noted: 4.01.46
